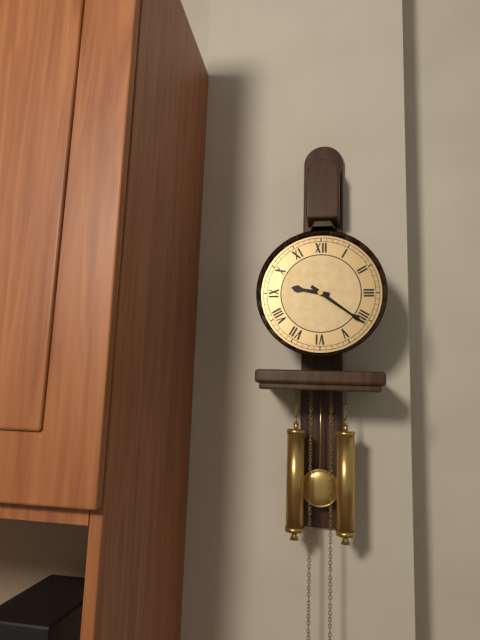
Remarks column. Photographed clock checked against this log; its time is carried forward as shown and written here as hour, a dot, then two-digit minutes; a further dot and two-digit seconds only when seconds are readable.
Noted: 9.21
